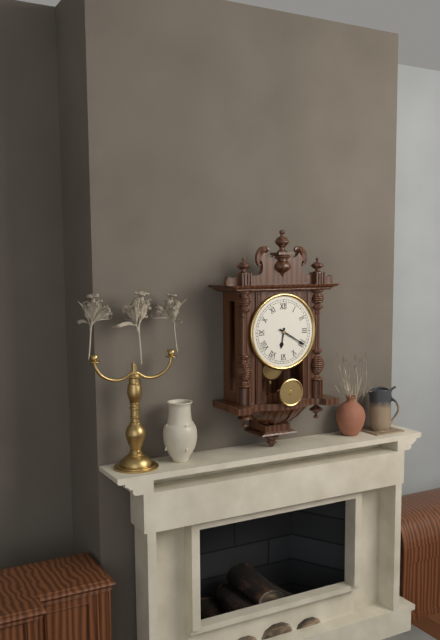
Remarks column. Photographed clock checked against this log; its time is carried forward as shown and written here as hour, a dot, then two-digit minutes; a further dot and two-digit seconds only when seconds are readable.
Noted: 6.20
